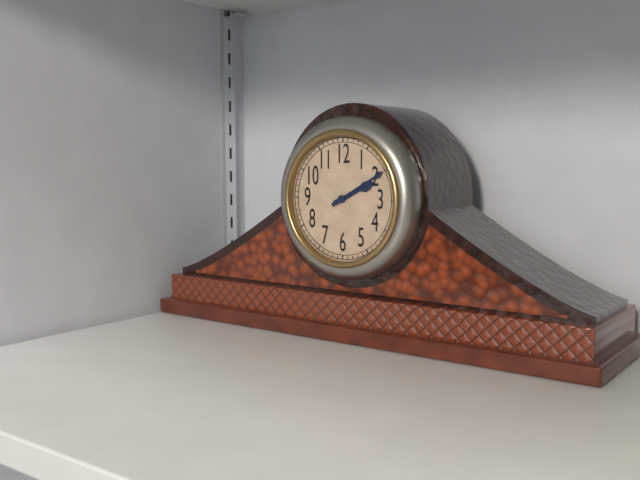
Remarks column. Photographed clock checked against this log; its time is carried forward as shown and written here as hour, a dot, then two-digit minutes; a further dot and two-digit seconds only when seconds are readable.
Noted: 2.10
